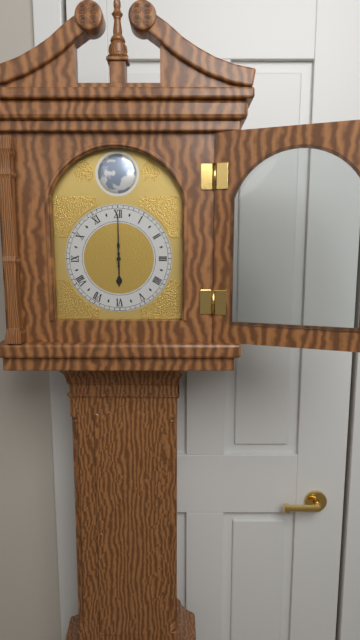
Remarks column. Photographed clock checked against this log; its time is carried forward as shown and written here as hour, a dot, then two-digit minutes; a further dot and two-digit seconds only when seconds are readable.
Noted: 6.00
